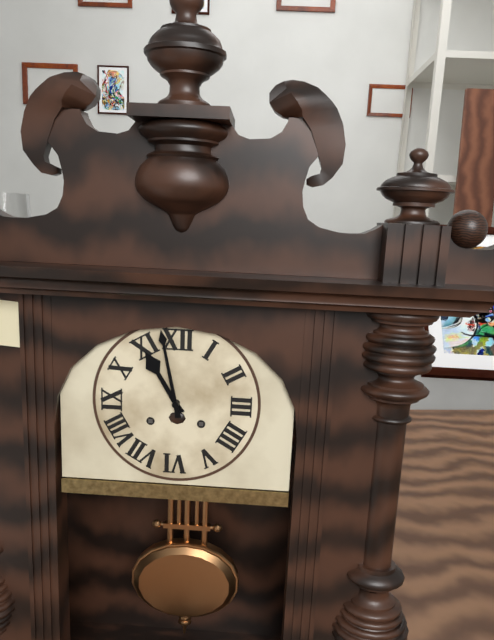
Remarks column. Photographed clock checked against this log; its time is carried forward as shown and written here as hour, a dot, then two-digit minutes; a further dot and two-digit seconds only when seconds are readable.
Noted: 10.58
